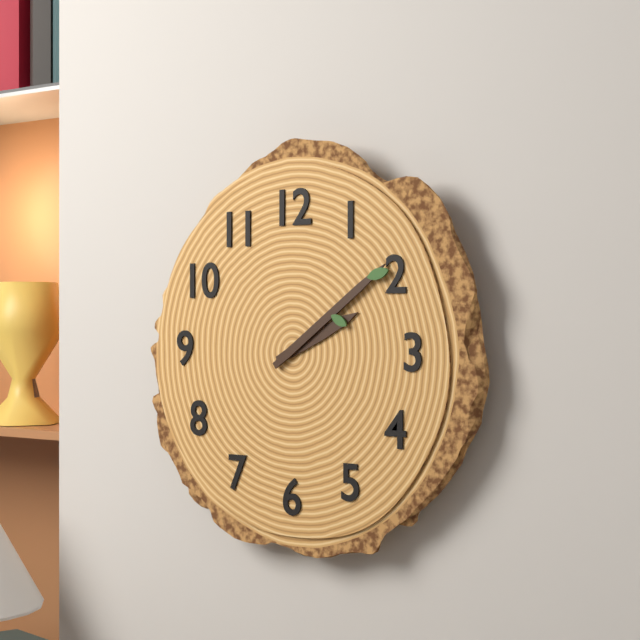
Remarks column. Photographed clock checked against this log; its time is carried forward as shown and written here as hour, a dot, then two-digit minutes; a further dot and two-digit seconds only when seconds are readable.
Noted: 2.09
